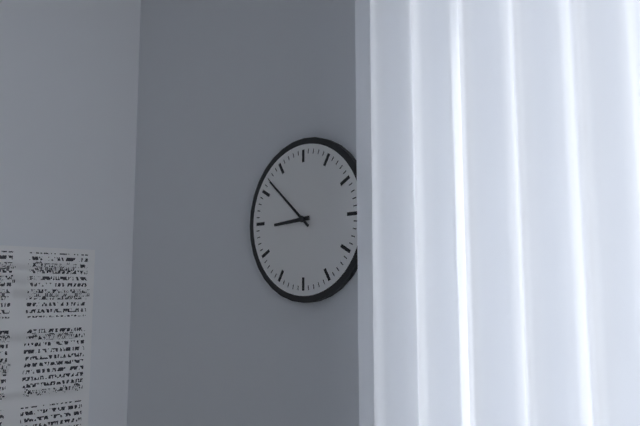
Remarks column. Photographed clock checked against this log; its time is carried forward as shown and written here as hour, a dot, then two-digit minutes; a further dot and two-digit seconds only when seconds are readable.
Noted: 8.52
